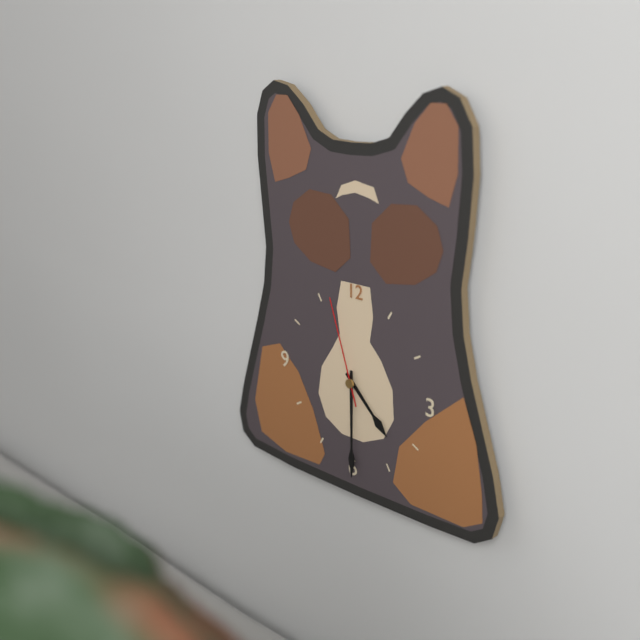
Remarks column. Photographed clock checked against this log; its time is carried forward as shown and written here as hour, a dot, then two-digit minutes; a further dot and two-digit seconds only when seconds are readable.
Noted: 4.30.57
